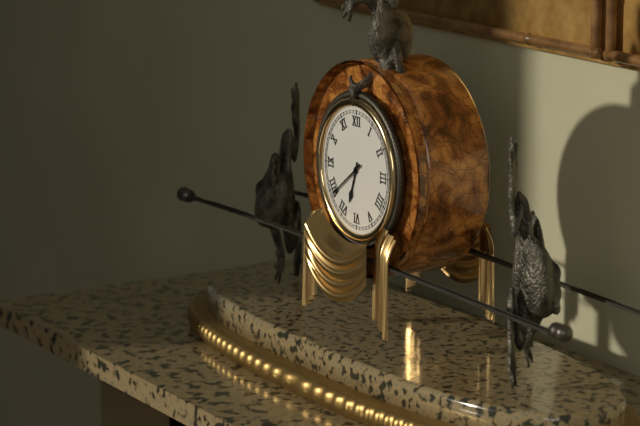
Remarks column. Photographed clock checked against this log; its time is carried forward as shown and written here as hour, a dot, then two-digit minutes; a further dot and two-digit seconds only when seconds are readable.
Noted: 6.39
